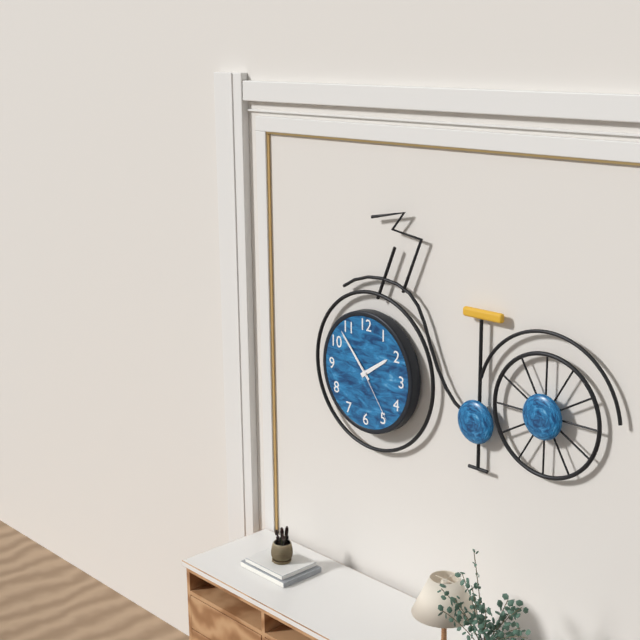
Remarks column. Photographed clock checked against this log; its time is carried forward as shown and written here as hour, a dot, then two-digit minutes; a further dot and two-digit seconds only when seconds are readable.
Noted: 1.53.24
